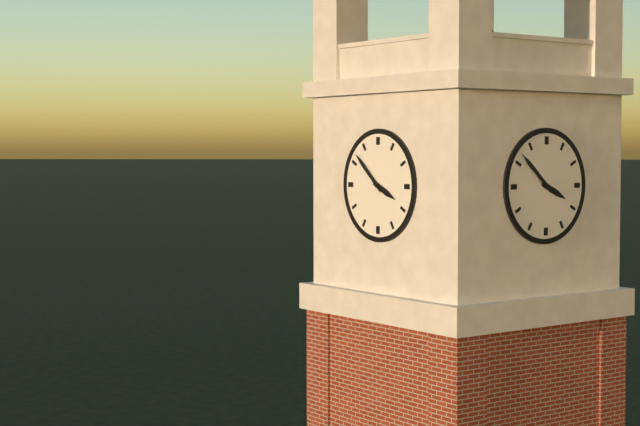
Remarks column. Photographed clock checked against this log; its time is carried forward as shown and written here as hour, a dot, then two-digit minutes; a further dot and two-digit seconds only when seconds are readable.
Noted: 3.52
